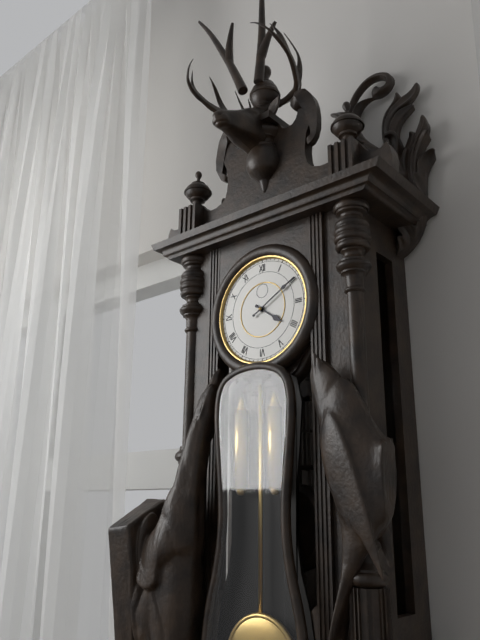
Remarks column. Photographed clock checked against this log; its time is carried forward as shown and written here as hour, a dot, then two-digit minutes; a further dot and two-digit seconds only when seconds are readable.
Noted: 4.10
